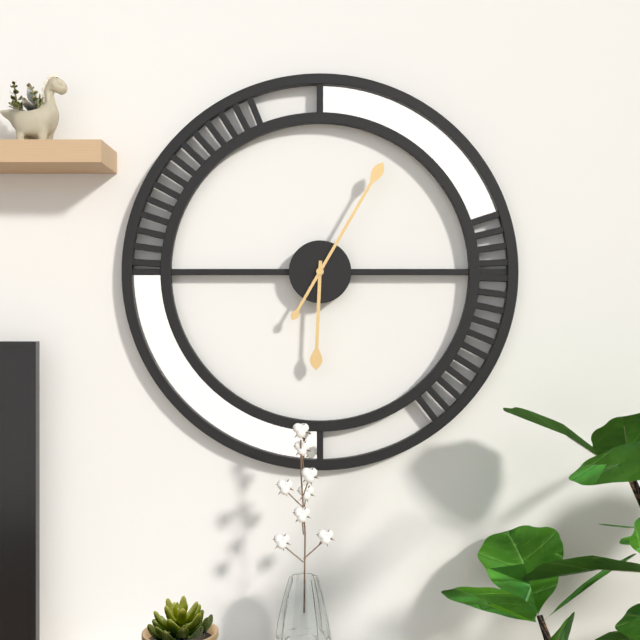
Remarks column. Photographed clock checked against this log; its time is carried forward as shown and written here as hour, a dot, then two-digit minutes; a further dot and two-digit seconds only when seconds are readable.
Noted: 6.05
